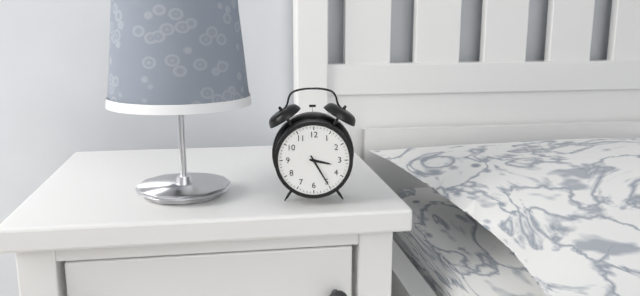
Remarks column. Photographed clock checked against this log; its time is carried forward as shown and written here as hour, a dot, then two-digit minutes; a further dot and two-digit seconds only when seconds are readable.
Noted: 3.25
